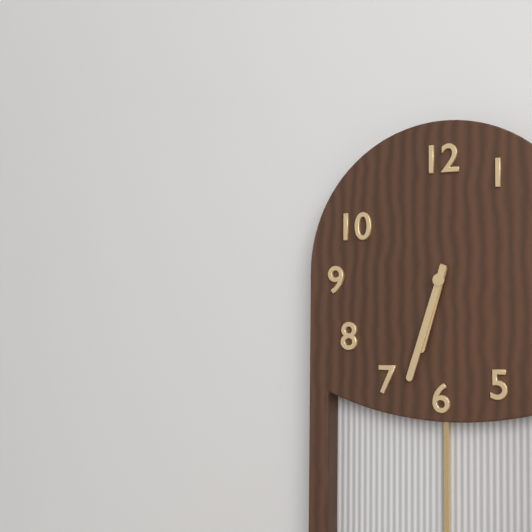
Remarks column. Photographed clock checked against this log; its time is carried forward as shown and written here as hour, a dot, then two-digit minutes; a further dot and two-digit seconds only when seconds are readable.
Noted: 6.33
